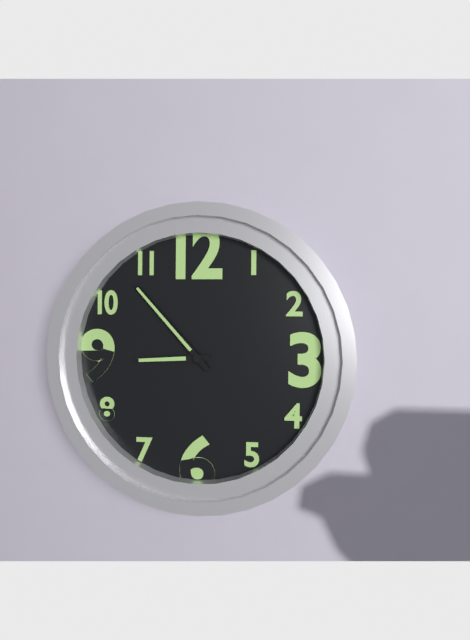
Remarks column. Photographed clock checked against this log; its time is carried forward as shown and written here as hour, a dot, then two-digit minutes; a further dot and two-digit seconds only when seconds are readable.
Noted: 8.53
